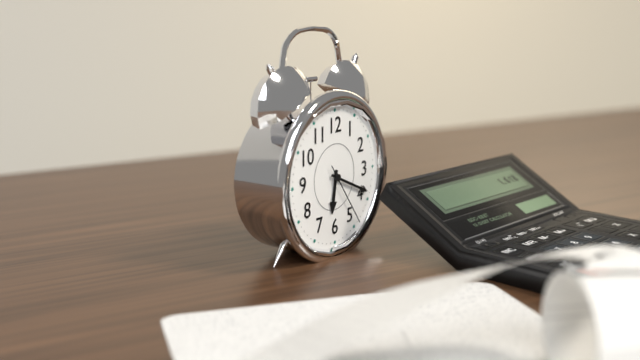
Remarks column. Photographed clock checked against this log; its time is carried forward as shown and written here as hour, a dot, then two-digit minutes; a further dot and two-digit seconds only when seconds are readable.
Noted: 6.19.24
